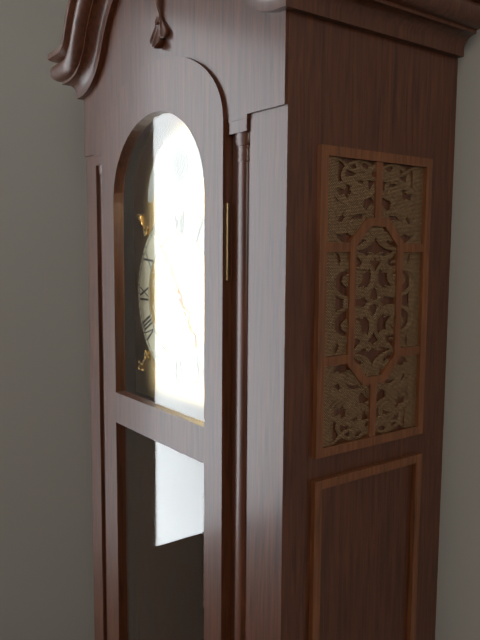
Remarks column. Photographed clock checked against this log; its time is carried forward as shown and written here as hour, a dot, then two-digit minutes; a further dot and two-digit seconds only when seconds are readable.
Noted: 4.54
